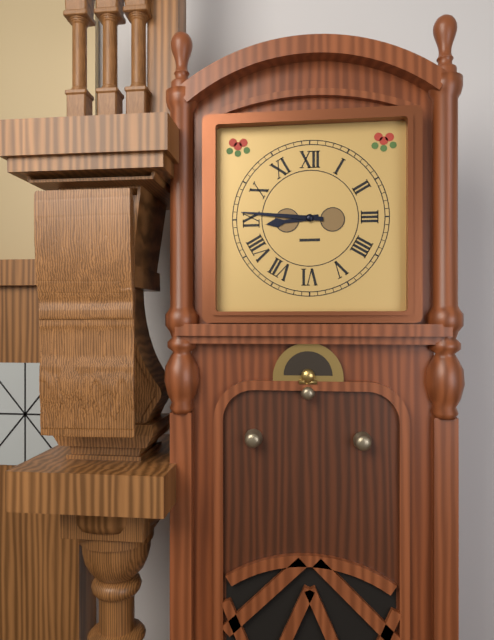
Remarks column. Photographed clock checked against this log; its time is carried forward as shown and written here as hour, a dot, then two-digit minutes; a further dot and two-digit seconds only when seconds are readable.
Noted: 8.46
